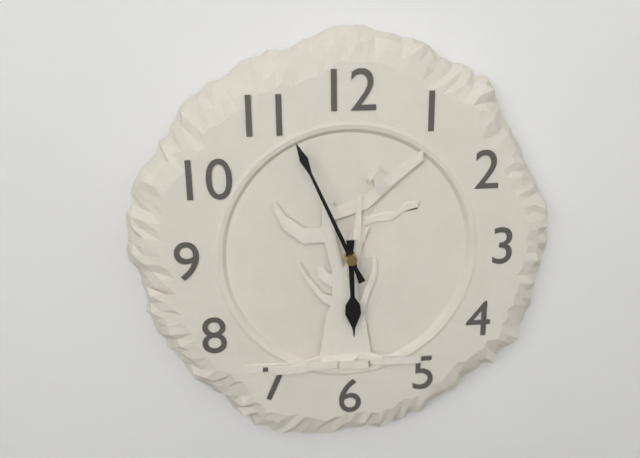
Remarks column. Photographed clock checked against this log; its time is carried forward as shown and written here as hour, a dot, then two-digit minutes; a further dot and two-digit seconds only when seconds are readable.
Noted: 5.56
